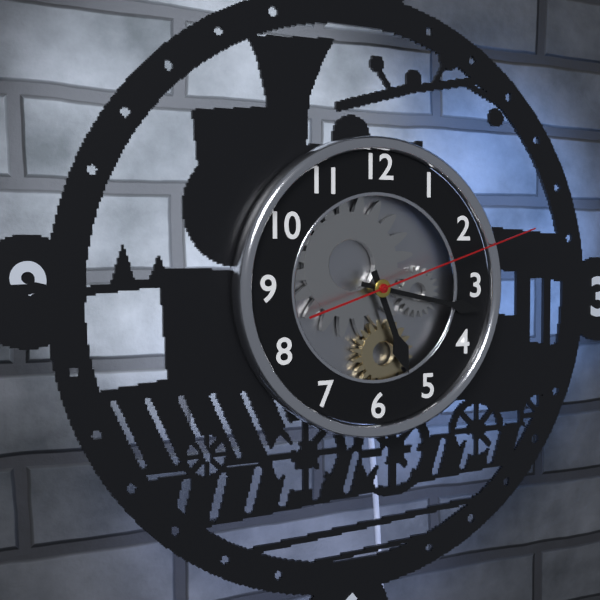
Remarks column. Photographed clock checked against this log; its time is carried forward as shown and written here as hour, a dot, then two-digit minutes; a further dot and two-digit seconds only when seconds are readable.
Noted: 5.17.12
